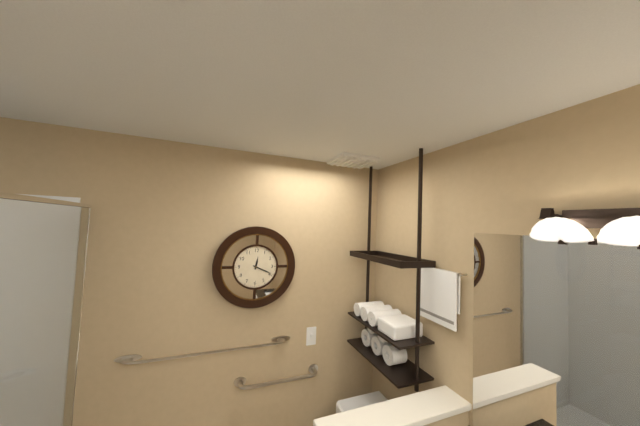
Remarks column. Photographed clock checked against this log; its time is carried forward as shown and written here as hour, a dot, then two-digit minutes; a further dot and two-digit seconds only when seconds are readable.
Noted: 12.19
